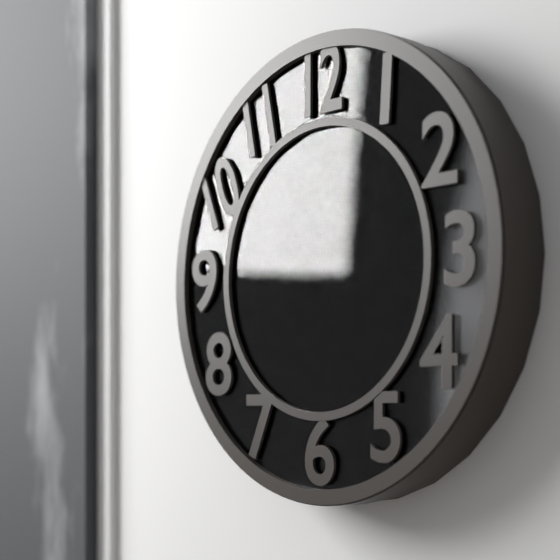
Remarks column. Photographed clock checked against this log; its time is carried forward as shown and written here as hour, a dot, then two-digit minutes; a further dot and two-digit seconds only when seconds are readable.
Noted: 12.03
